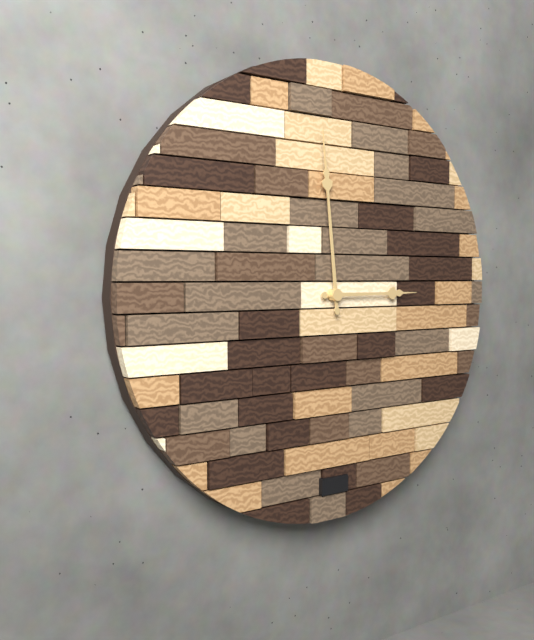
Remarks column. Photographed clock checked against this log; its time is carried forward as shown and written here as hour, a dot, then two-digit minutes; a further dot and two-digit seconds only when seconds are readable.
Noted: 2.59
